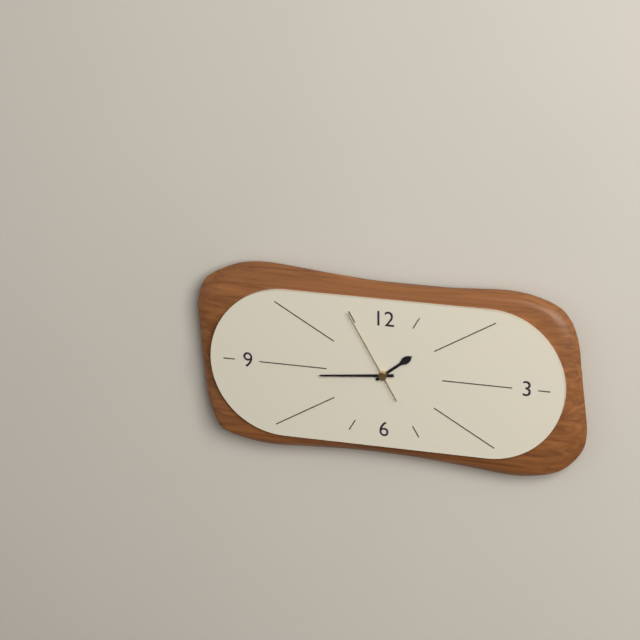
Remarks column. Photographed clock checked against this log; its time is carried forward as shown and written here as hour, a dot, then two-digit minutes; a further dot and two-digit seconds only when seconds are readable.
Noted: 1.44.55
